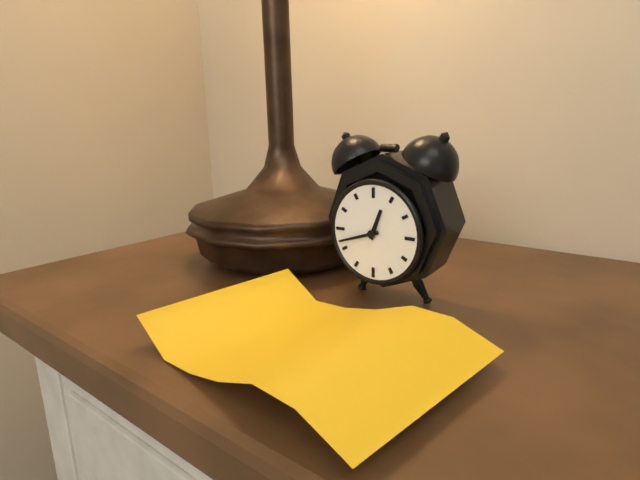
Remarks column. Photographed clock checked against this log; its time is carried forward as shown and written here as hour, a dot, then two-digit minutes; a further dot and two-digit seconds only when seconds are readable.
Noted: 12.42
